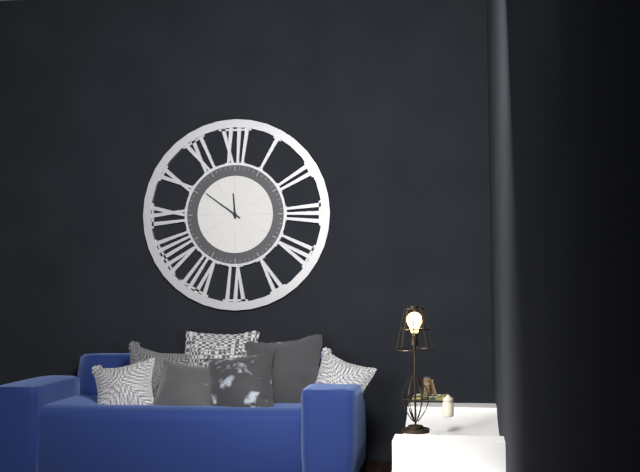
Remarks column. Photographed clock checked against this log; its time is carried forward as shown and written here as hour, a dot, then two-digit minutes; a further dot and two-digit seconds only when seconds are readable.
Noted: 11.51
